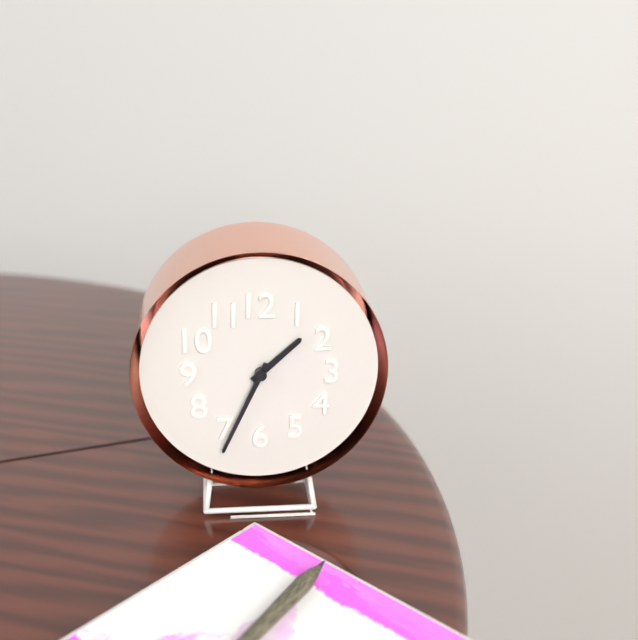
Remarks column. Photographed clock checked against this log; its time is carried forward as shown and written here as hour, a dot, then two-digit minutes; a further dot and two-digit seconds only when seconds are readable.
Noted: 1.34
